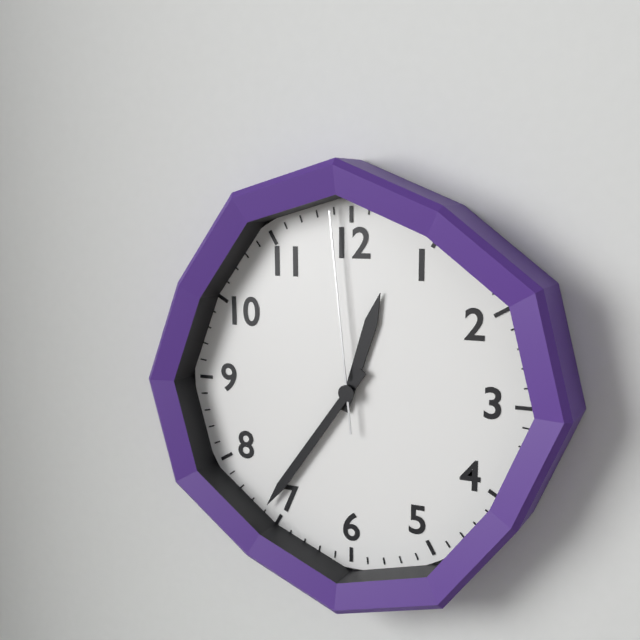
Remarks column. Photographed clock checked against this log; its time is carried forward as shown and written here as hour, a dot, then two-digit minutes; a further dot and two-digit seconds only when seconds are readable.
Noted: 12.36.59
